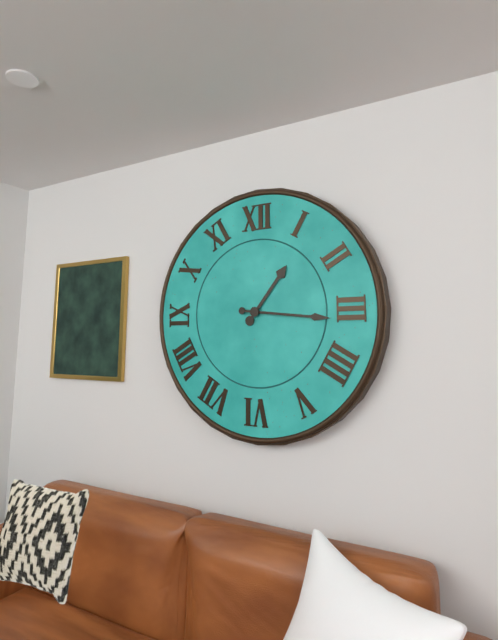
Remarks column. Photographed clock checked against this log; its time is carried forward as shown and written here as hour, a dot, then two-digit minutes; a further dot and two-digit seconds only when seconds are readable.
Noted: 1.16
